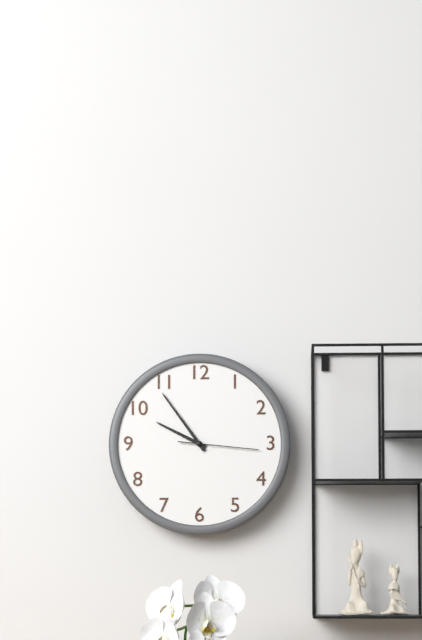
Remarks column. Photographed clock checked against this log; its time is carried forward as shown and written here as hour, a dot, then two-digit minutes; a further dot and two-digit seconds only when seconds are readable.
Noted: 9.54.16
